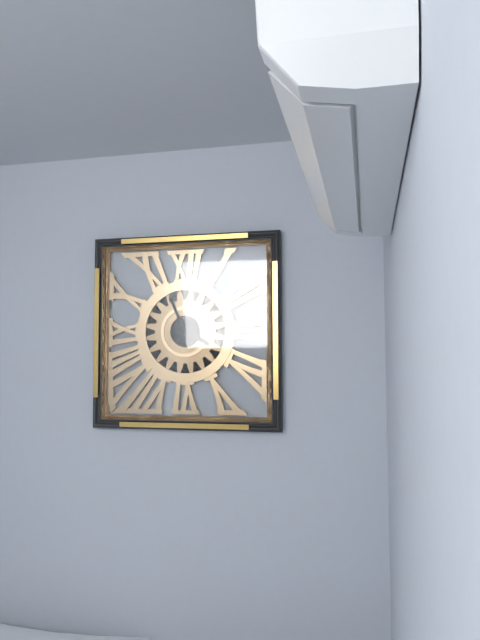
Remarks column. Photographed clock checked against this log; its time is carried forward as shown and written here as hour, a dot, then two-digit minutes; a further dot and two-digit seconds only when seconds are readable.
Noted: 3.56
